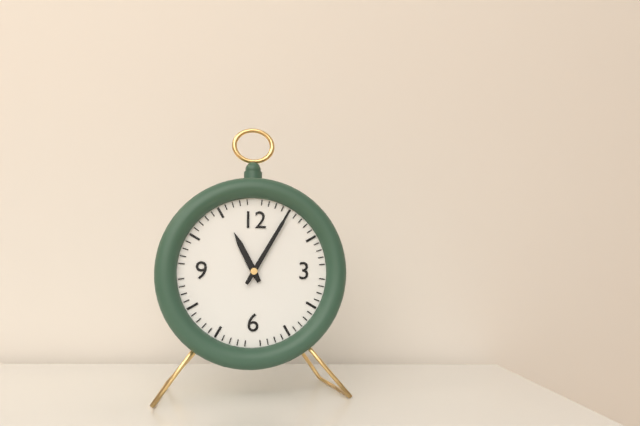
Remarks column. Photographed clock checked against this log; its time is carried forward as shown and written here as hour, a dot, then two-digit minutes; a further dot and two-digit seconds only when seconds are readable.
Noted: 11.05
